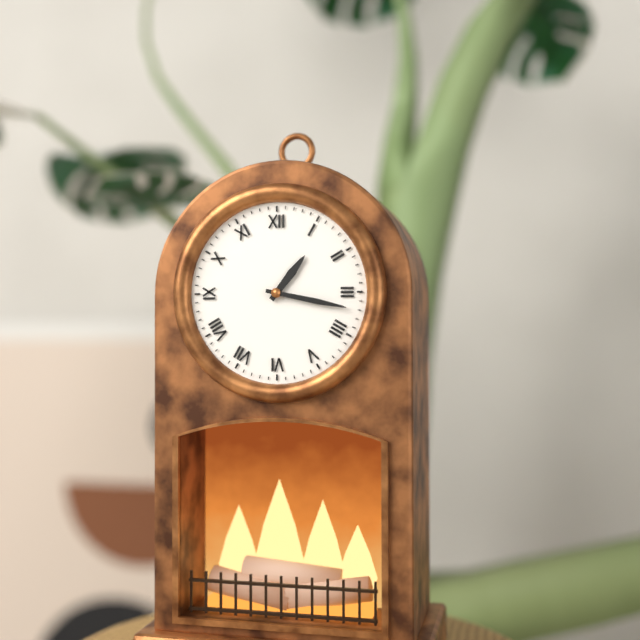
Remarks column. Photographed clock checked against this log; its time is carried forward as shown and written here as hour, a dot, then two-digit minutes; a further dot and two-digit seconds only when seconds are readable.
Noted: 1.17
